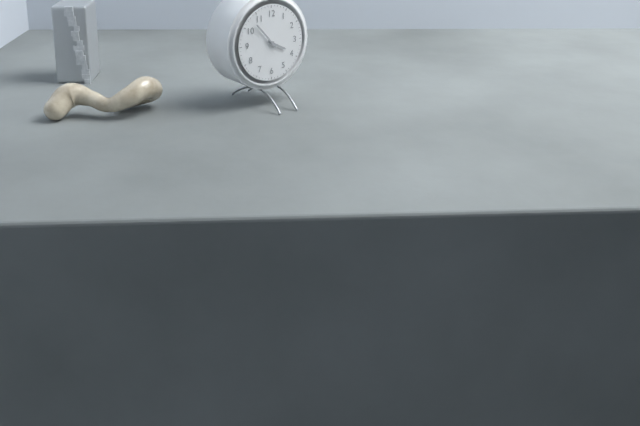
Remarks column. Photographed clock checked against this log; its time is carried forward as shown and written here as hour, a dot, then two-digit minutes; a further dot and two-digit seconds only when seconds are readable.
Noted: 3.53
